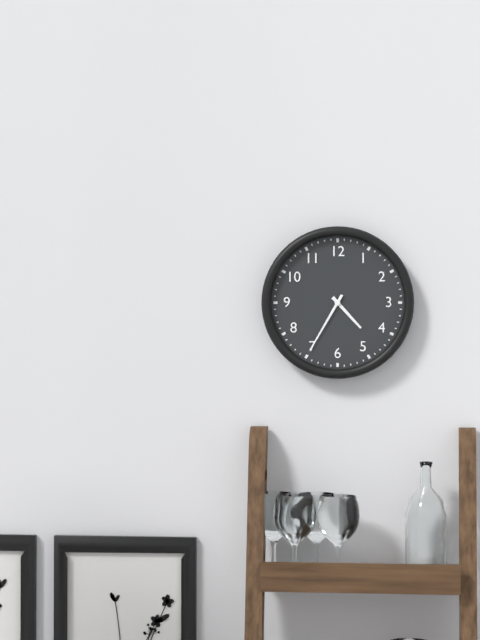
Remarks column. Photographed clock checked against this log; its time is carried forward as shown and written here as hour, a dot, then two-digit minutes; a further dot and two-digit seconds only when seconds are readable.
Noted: 4.35
